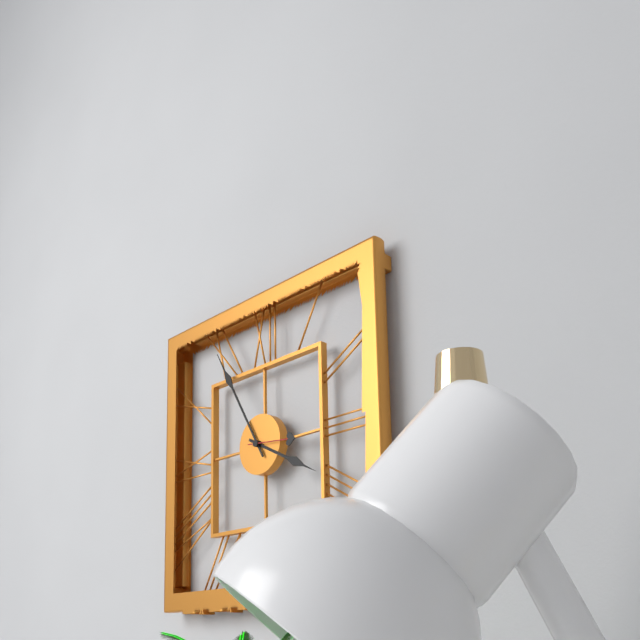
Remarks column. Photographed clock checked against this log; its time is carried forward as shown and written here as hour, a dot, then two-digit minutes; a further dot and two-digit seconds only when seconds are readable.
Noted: 3.55.16
